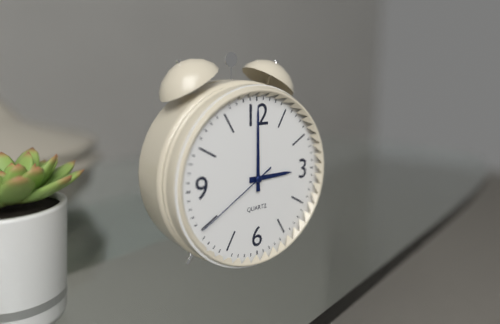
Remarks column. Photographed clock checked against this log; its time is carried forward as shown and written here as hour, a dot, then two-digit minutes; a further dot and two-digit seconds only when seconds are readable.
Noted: 3.00.40
